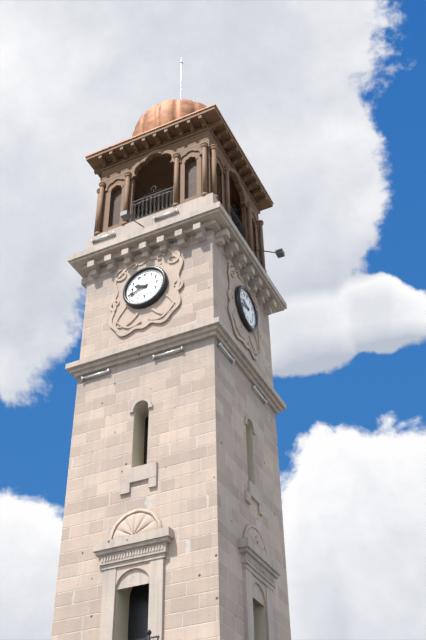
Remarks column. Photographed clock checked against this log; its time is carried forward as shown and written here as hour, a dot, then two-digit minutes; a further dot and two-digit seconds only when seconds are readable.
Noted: 9.42
